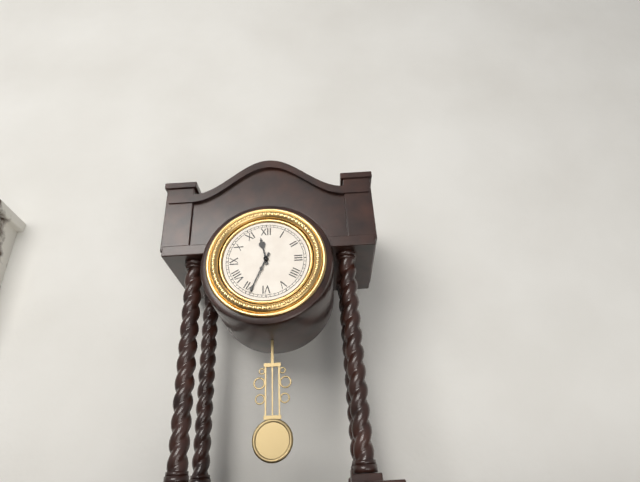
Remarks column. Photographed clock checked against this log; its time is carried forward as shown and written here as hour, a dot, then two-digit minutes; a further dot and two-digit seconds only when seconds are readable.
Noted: 11.34
